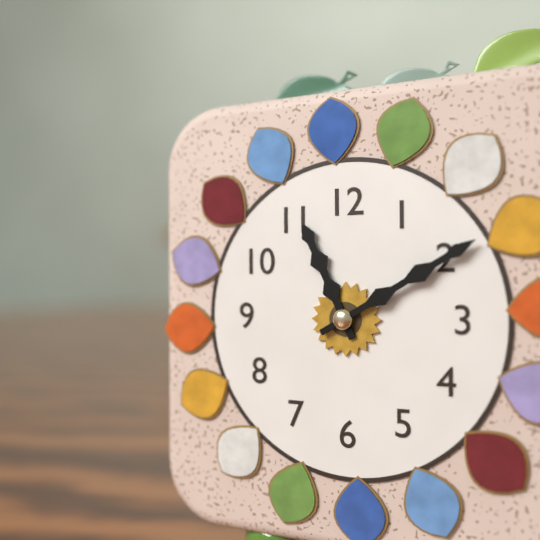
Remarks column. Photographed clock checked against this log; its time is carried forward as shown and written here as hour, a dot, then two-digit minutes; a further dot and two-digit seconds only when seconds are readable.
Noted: 11.10
